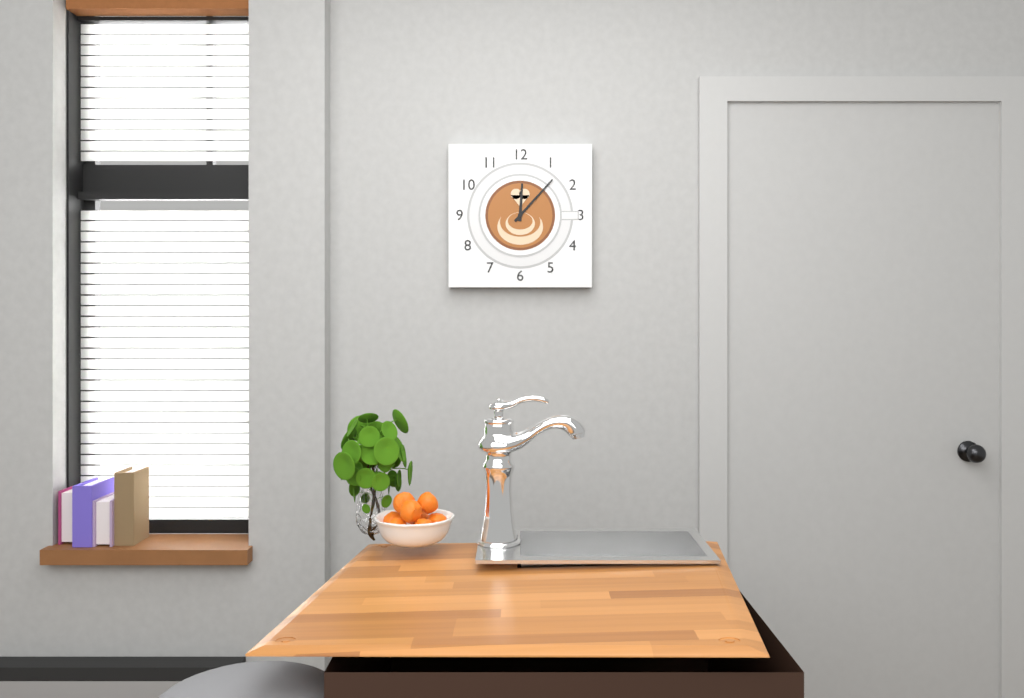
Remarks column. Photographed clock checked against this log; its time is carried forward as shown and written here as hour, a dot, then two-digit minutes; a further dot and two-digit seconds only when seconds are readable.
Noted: 12.07
